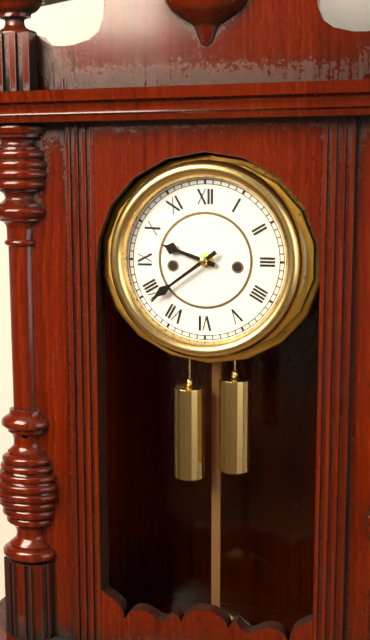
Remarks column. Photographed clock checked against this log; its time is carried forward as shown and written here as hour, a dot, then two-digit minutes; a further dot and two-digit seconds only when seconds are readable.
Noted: 9.39
